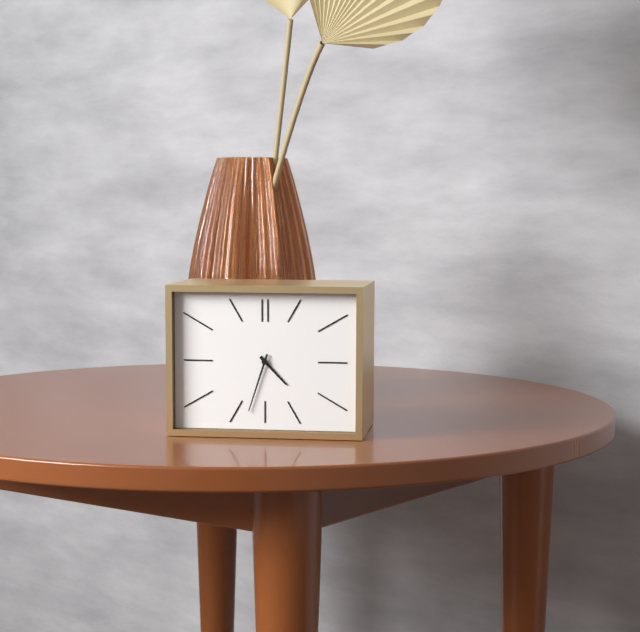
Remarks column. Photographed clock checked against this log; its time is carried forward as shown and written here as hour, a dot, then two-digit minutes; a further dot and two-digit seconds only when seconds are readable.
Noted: 4.33
